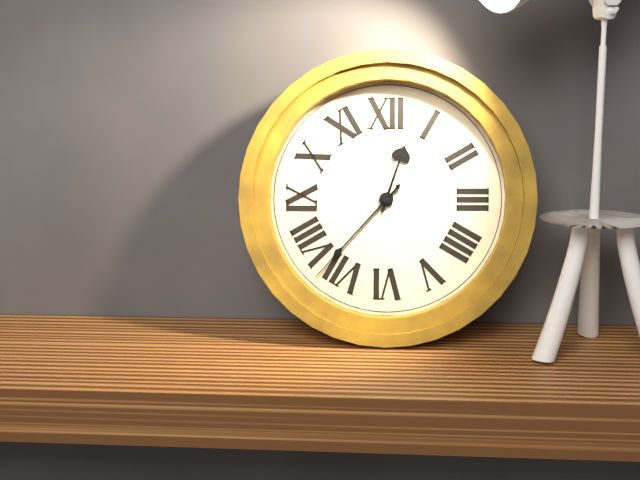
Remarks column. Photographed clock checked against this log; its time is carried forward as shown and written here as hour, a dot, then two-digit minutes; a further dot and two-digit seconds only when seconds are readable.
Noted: 12.37
